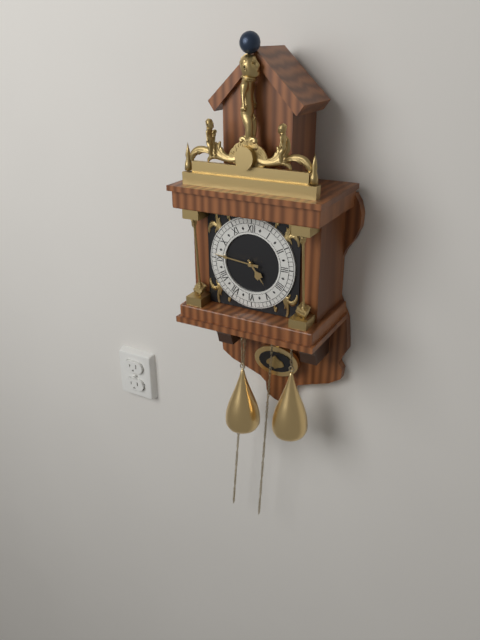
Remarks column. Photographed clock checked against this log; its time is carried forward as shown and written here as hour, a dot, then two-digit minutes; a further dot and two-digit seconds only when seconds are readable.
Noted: 4.46
